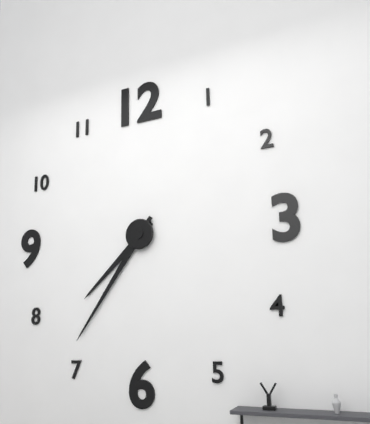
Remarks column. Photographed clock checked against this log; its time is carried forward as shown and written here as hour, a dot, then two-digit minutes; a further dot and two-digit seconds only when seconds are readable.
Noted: 7.36
